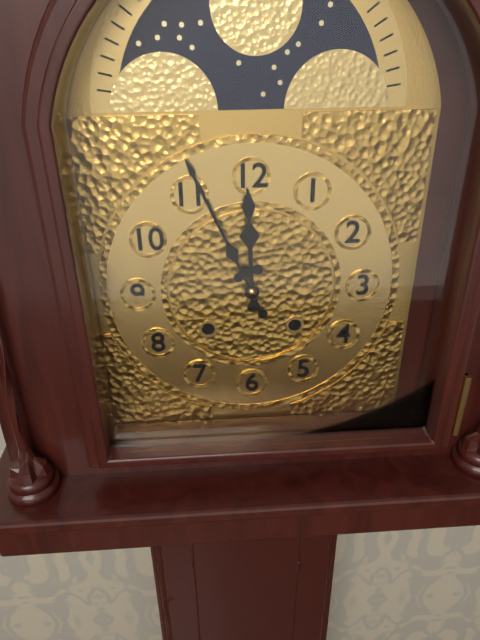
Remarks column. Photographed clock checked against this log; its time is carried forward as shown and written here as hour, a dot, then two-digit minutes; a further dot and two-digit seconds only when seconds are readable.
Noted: 11.56
